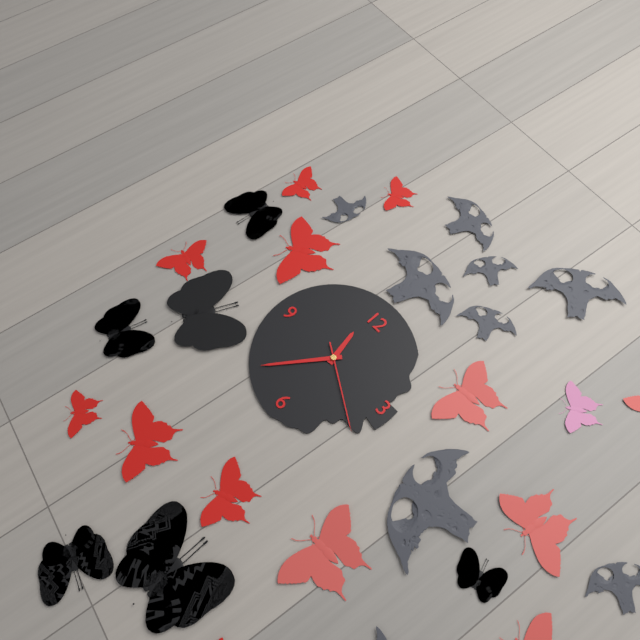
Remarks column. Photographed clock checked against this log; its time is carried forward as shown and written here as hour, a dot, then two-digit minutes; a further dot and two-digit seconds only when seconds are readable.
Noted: 11.36.20
